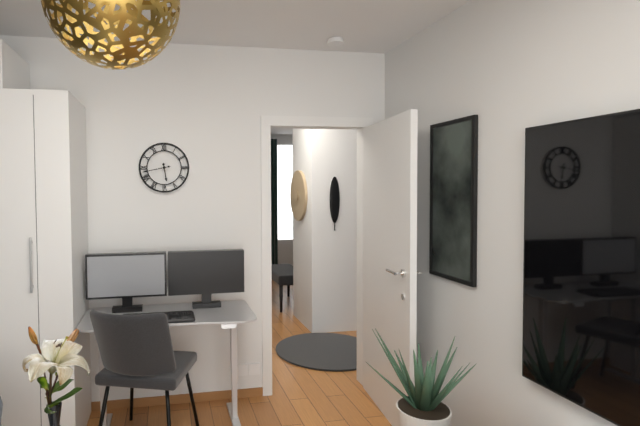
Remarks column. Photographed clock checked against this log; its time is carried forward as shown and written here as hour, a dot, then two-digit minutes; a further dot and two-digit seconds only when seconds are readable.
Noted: 5.43
